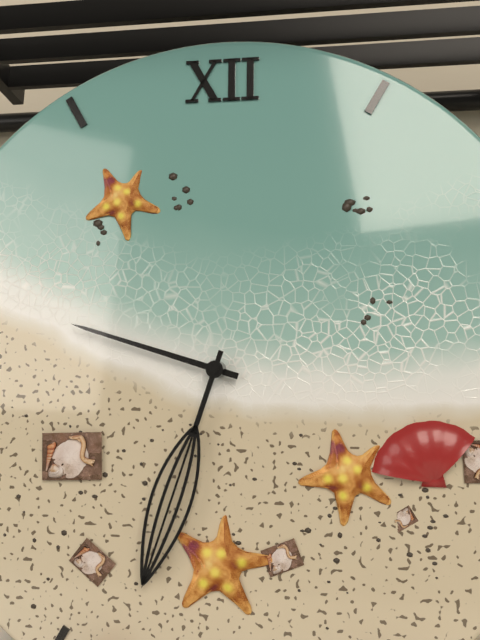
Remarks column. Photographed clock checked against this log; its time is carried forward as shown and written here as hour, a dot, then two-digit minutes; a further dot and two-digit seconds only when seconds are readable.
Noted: 9.33
